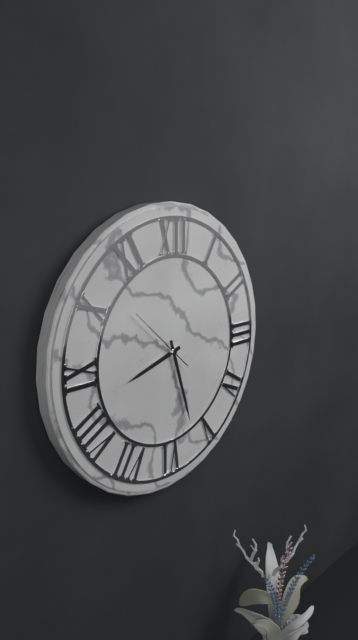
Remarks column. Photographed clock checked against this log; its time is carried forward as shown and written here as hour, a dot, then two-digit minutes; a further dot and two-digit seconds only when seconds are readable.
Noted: 8.27.52
